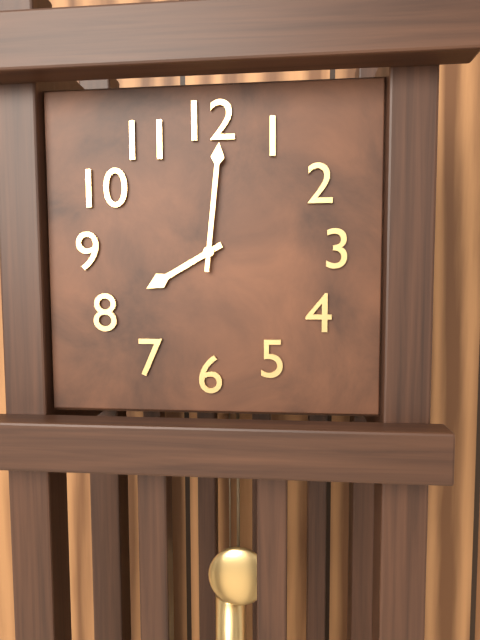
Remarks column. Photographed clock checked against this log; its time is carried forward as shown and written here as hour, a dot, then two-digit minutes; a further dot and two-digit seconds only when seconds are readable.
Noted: 8.01
